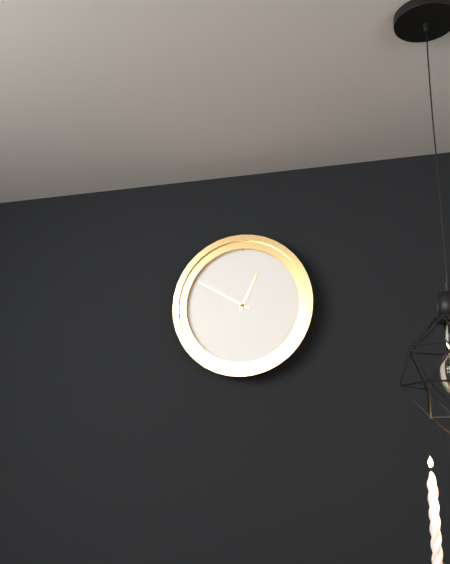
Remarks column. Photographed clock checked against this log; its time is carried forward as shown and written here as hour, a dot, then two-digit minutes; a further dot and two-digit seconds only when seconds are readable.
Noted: 12.50
